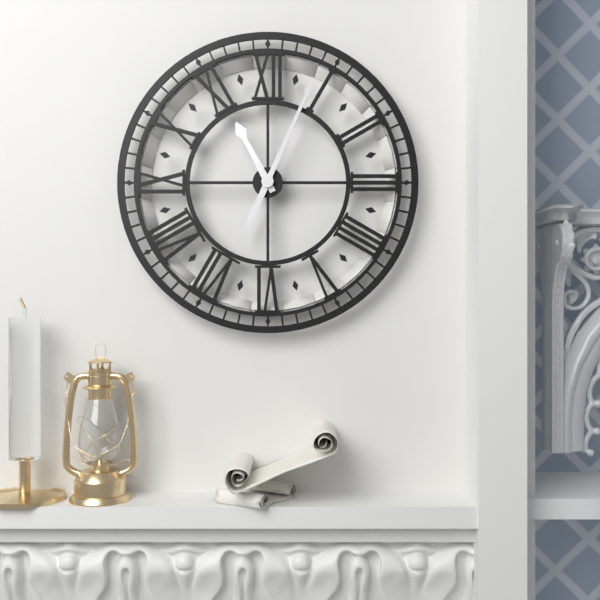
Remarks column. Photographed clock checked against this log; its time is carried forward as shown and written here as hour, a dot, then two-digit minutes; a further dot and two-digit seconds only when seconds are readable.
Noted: 11.04
